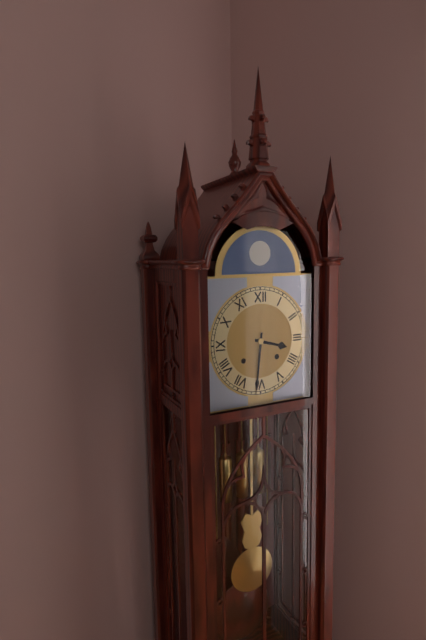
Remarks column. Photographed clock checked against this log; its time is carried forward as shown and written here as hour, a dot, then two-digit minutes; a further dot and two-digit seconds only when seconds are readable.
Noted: 3.31
